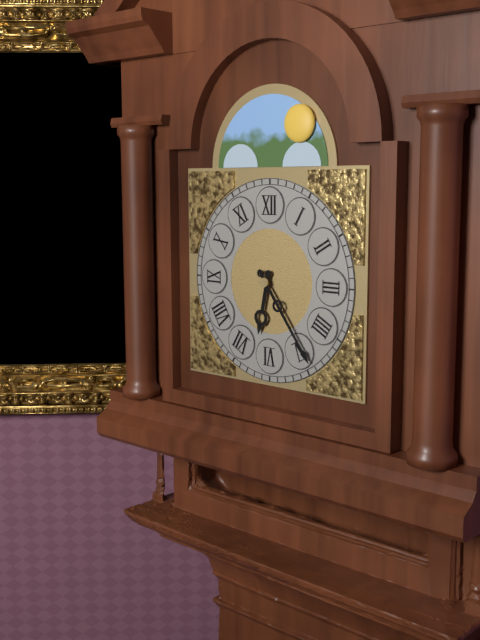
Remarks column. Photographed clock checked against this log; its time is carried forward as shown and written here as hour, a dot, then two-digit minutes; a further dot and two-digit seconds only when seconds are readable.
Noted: 6.24
